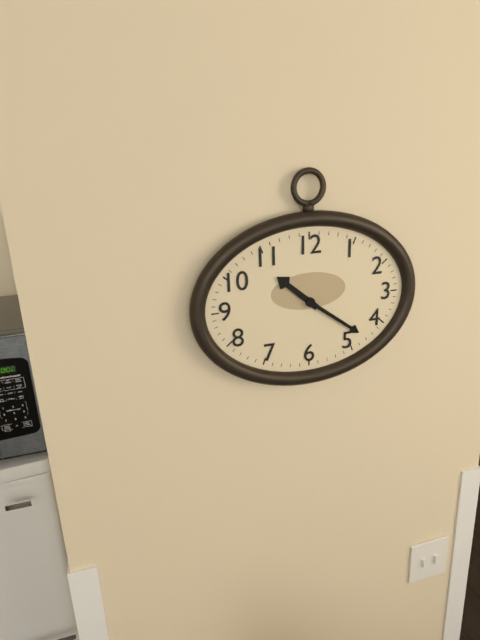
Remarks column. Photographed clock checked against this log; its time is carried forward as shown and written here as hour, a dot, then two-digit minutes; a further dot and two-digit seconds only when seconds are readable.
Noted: 10.21
